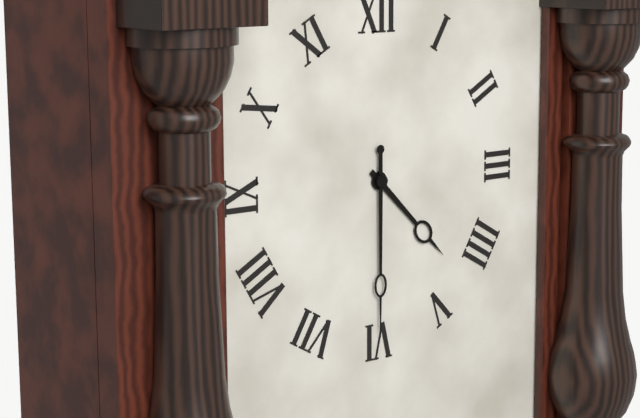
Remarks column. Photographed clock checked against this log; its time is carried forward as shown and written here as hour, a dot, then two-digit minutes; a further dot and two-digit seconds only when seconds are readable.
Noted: 4.30
